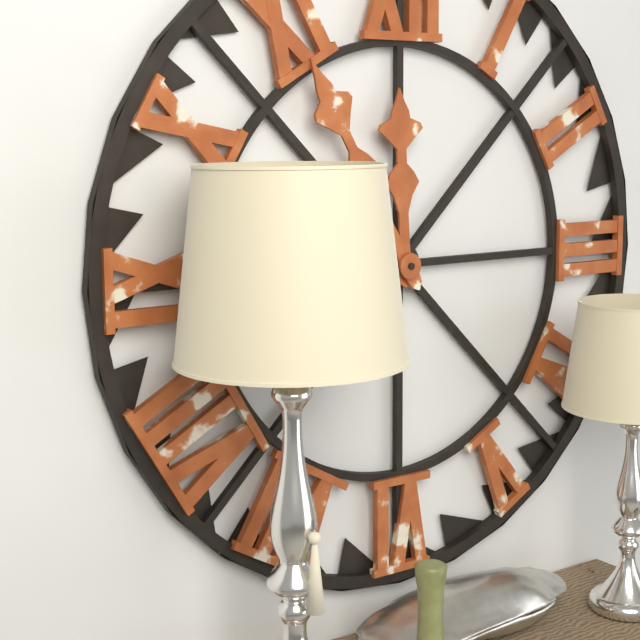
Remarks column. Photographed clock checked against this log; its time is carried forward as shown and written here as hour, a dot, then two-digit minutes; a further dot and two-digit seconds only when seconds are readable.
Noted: 11.55
